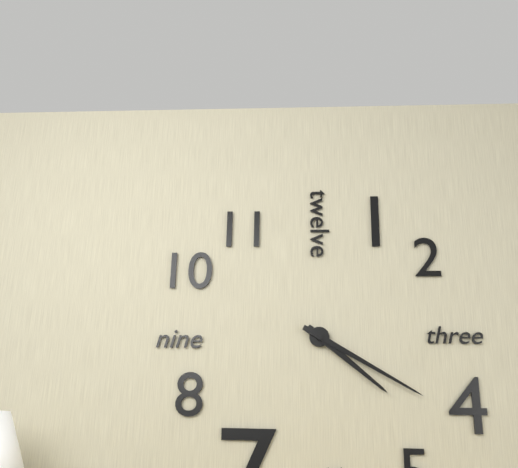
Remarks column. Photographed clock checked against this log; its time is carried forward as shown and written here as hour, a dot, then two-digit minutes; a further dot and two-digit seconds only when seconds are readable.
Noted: 4.20
